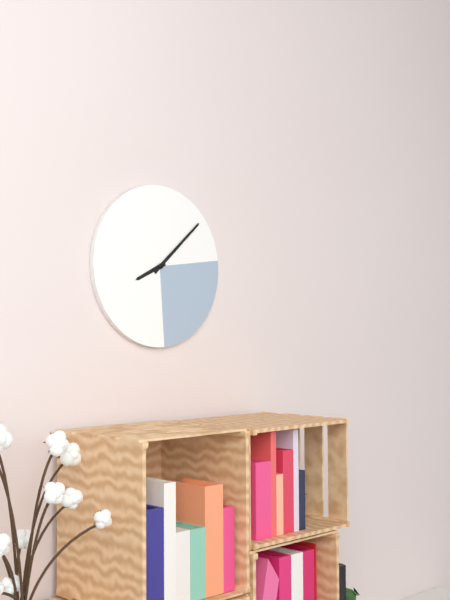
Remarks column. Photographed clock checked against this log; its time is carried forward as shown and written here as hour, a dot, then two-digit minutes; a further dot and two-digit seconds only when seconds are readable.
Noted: 8.08
